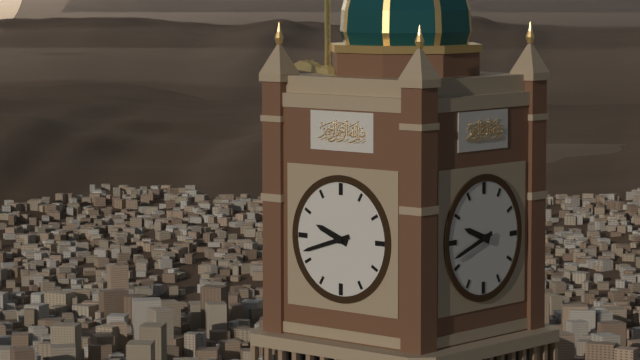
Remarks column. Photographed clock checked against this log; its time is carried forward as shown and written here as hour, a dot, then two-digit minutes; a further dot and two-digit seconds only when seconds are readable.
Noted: 9.42
